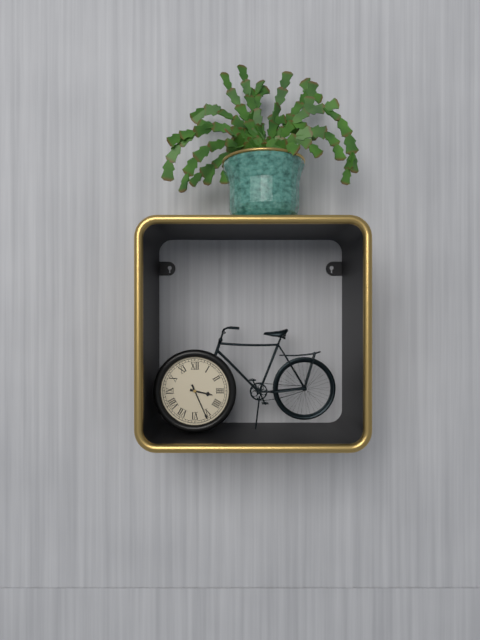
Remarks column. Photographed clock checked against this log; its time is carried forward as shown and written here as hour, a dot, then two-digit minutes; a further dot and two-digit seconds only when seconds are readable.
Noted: 3.26
